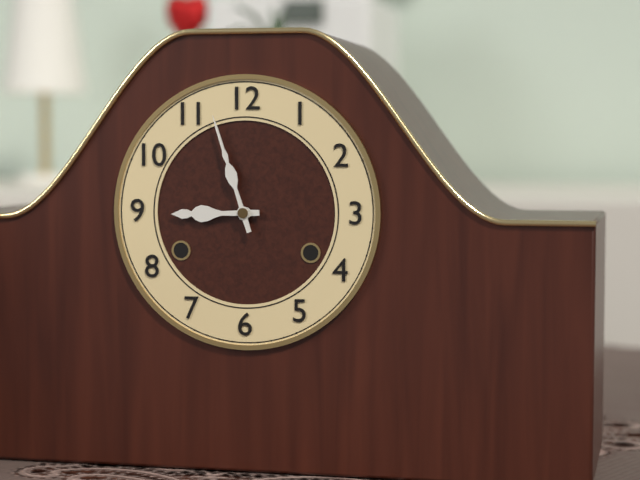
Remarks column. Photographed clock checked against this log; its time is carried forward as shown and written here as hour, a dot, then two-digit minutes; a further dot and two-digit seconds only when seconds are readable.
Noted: 8.57
